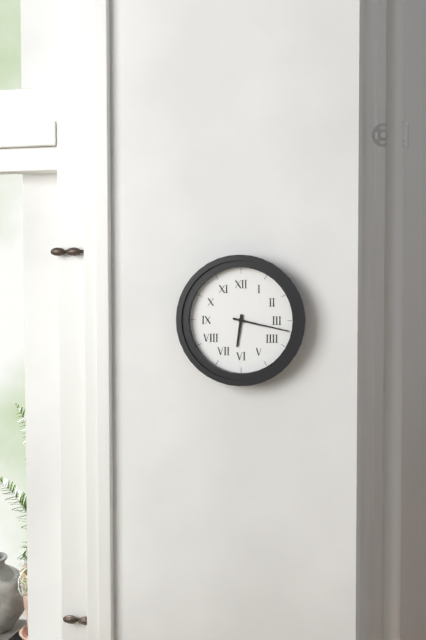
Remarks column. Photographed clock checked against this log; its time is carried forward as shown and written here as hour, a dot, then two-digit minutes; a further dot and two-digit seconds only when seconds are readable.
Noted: 6.17
